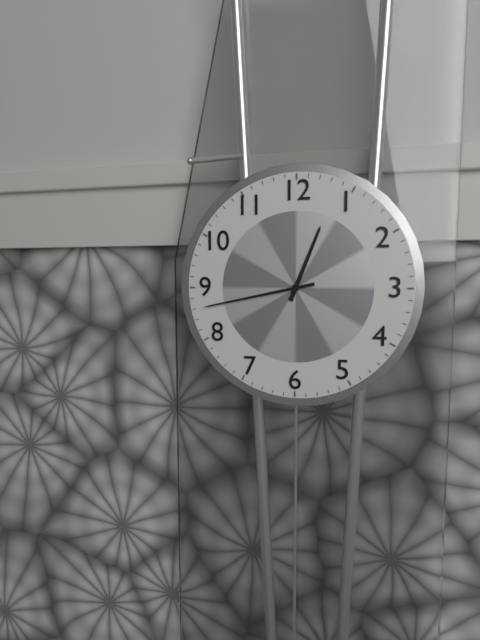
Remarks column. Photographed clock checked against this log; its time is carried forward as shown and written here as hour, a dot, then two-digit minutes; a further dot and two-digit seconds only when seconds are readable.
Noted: 12.43
